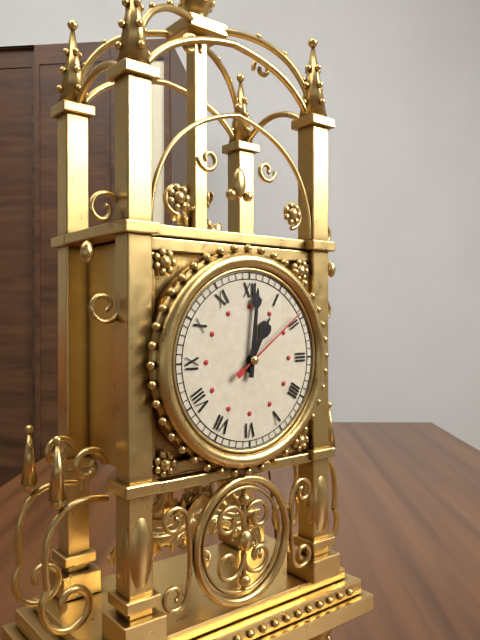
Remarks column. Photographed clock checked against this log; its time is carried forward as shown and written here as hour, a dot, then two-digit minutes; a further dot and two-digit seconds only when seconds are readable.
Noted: 1.01.09
